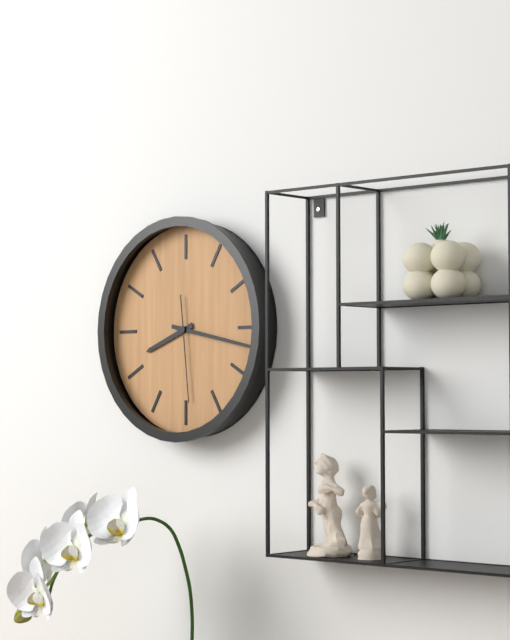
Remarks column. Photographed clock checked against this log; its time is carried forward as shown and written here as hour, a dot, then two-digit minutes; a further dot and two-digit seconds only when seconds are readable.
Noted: 8.17.29
